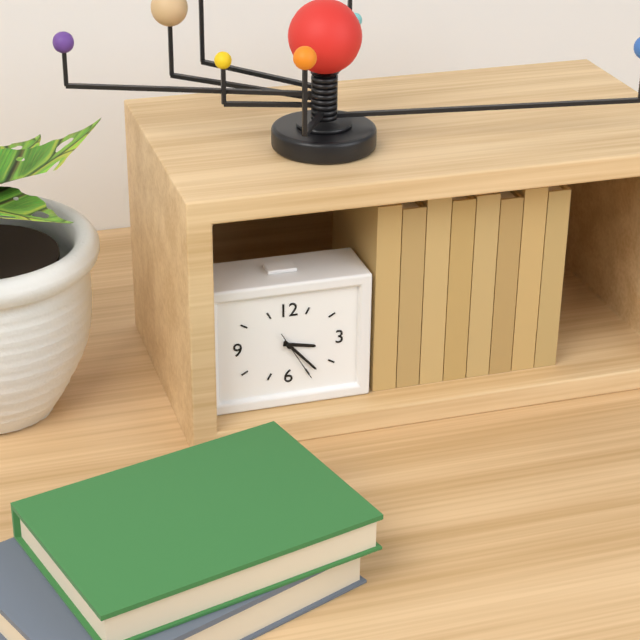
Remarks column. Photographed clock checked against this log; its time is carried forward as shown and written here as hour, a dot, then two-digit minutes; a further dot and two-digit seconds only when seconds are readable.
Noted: 3.23
